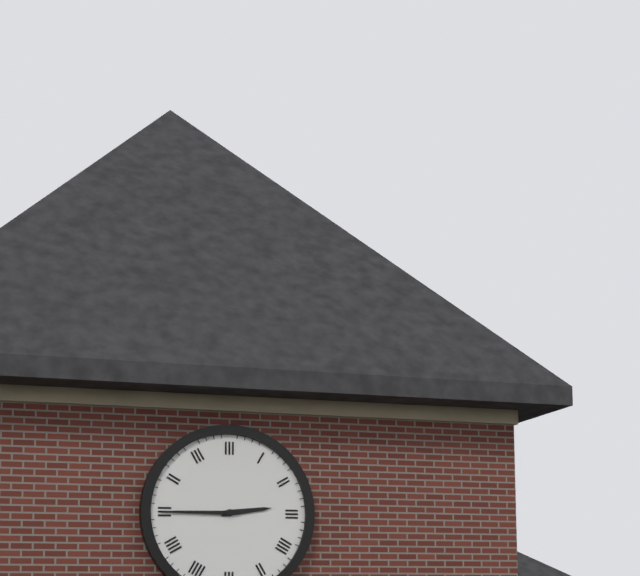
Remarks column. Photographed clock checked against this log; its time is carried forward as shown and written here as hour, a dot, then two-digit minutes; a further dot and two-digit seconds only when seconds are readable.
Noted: 2.45
